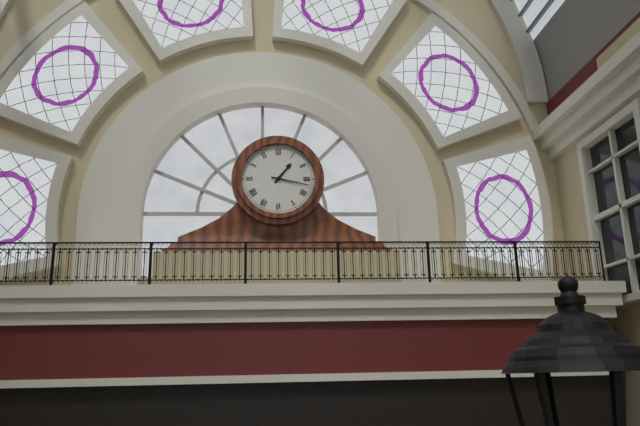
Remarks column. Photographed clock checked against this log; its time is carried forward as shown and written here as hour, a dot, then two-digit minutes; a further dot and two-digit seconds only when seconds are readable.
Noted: 1.17
